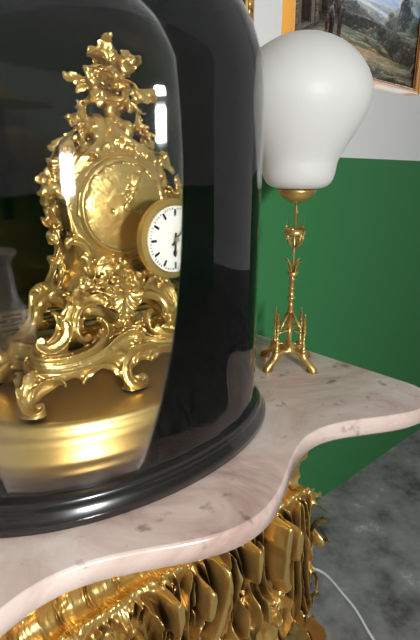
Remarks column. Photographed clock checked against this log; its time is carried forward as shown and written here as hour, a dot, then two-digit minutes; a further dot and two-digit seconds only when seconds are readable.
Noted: 6.07
